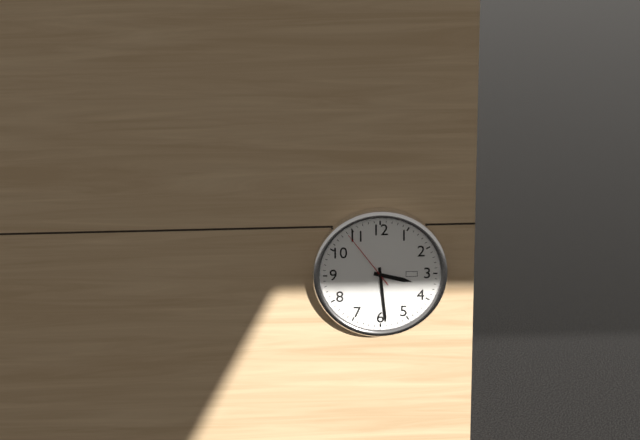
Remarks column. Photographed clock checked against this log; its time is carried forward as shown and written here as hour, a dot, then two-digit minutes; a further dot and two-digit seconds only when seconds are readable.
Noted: 3.29.54
